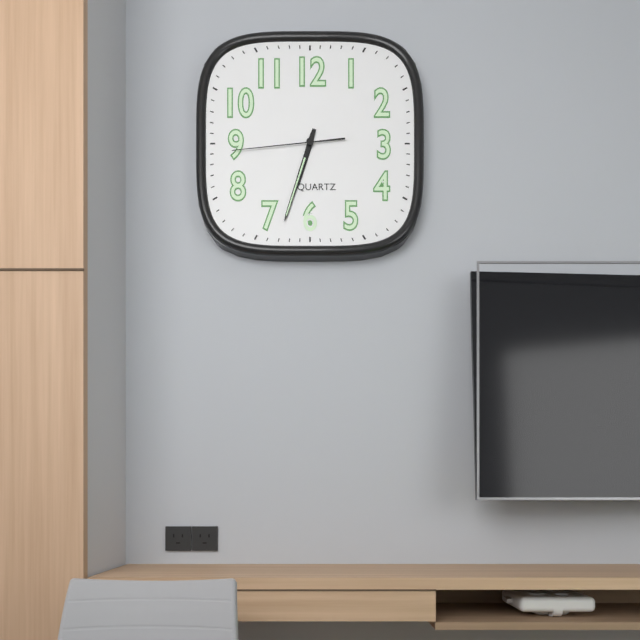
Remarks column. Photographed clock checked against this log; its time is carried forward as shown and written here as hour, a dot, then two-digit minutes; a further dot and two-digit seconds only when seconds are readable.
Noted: 6.33.44
